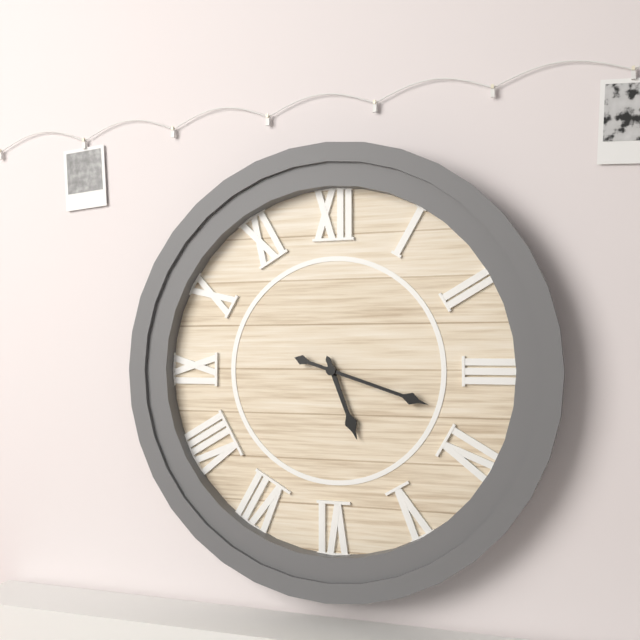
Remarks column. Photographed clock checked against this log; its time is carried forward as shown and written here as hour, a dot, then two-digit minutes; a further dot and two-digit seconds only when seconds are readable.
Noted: 5.18
